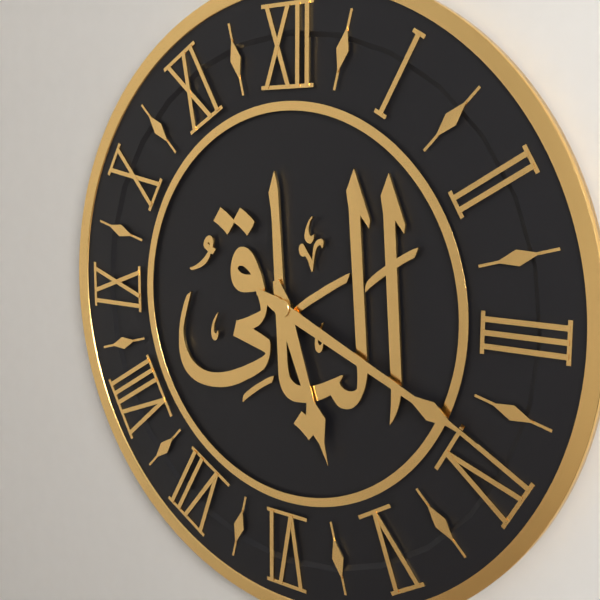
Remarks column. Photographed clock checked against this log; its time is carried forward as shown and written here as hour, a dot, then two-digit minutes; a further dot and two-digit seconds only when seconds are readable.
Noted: 5.19
